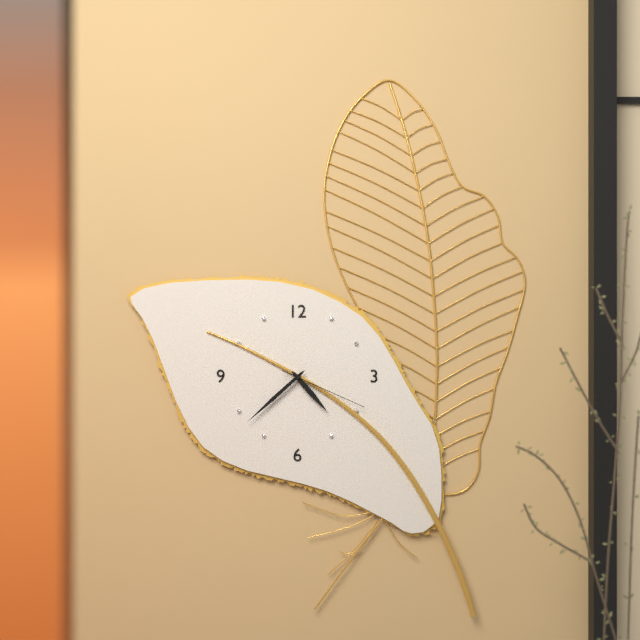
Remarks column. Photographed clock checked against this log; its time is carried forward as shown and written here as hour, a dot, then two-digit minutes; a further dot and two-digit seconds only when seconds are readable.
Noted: 4.38.19
